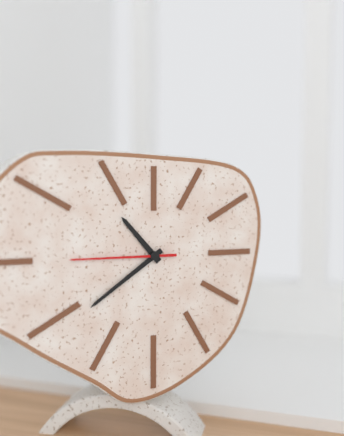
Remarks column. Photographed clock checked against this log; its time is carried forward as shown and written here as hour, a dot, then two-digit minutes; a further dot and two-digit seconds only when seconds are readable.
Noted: 10.39.45
